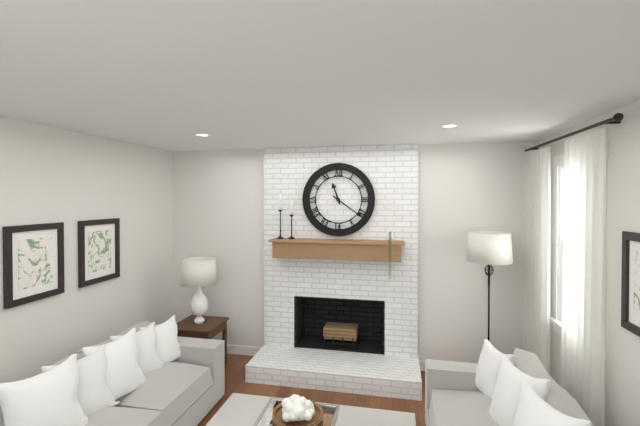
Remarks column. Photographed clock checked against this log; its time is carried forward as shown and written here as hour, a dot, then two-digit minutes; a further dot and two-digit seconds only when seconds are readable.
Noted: 11.21
